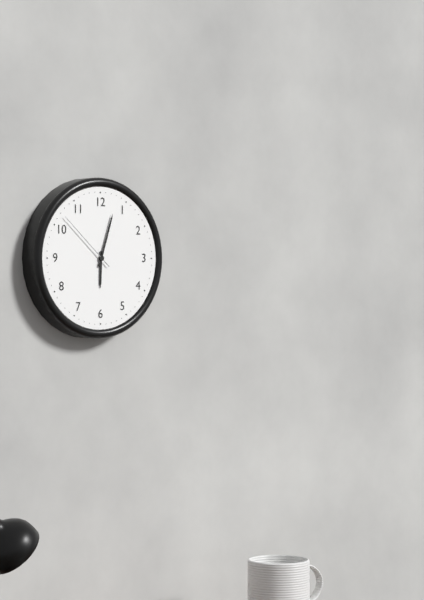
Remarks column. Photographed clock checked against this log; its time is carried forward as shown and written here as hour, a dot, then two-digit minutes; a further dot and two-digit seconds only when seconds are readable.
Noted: 6.03.52
